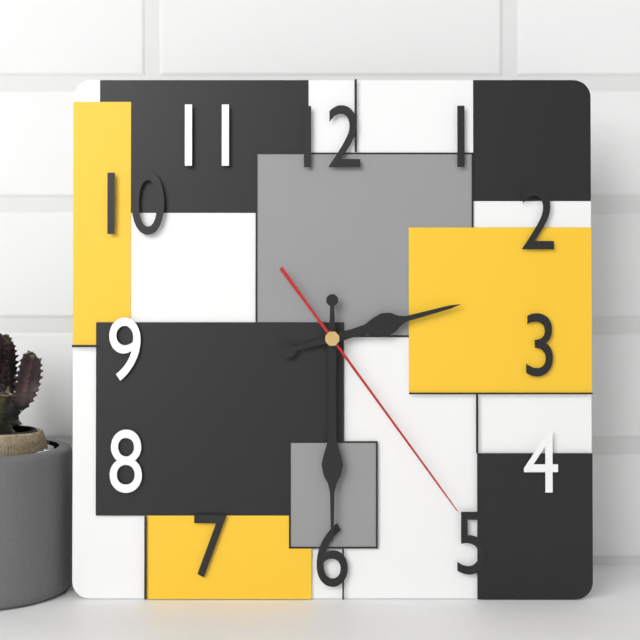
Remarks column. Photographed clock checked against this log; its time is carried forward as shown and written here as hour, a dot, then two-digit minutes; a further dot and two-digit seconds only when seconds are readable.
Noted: 2.30.24
